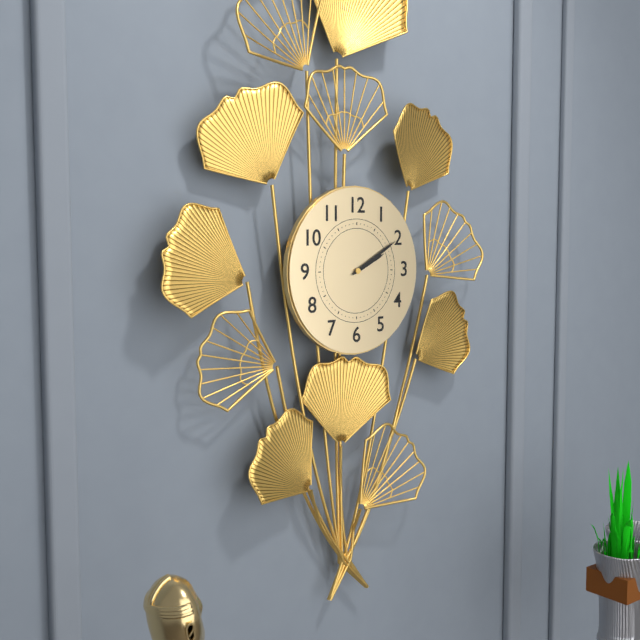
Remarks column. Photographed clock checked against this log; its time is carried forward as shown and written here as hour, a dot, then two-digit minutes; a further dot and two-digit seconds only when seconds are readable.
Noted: 2.10
